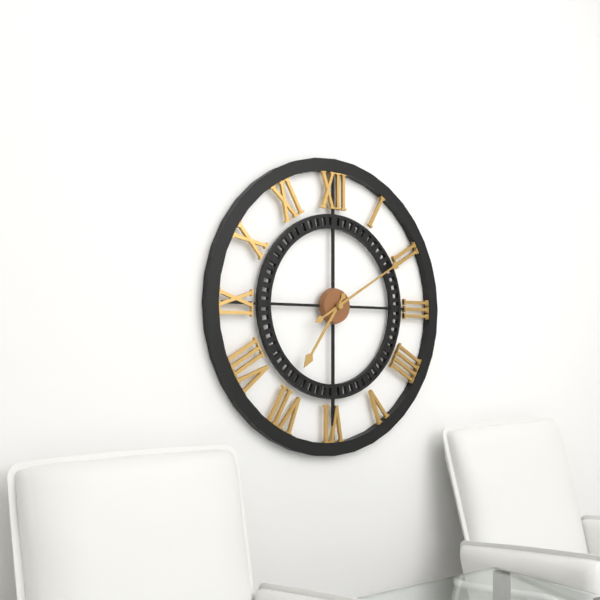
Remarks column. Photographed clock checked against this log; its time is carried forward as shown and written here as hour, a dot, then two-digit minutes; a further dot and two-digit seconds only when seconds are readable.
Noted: 7.10
